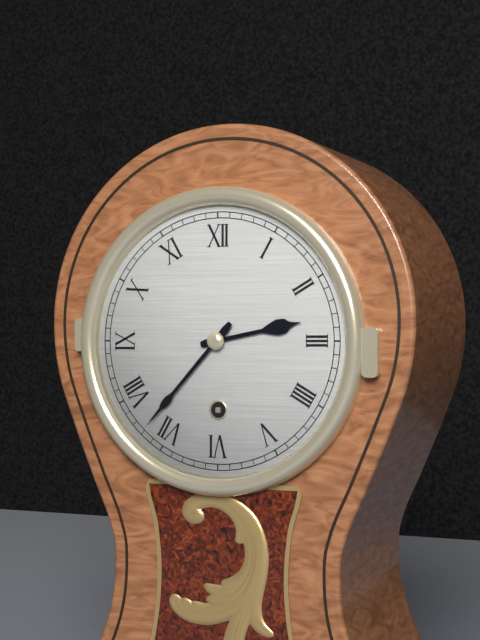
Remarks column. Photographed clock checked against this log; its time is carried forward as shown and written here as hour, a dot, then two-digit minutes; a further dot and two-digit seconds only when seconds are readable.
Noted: 2.37
